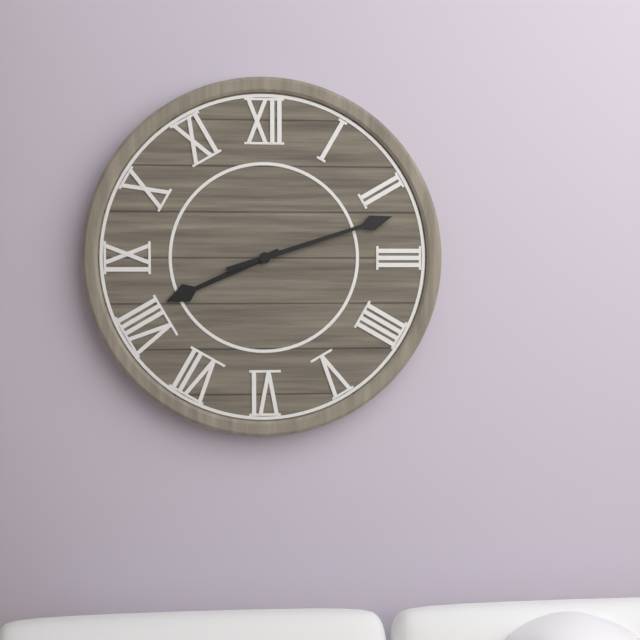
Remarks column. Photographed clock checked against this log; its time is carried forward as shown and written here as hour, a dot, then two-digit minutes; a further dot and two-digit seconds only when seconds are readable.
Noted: 8.12
